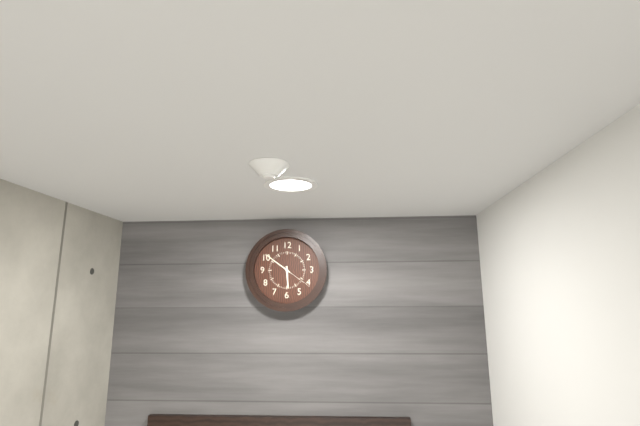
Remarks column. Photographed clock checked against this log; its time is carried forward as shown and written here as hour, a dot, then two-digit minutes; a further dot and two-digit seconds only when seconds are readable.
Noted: 5.51
